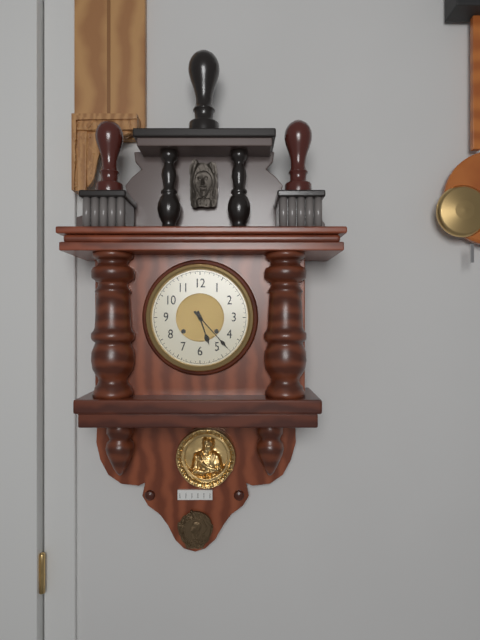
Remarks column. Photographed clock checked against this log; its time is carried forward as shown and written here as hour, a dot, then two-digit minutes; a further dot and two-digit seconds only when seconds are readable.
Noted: 5.23
